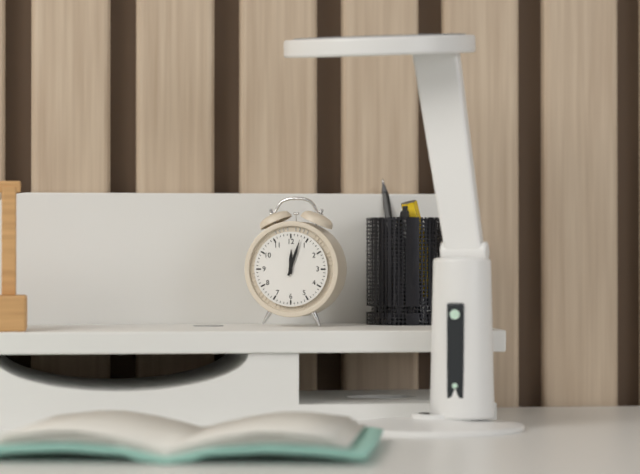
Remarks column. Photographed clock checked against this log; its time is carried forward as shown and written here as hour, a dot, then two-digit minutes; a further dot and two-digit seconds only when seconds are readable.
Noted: 12.03
